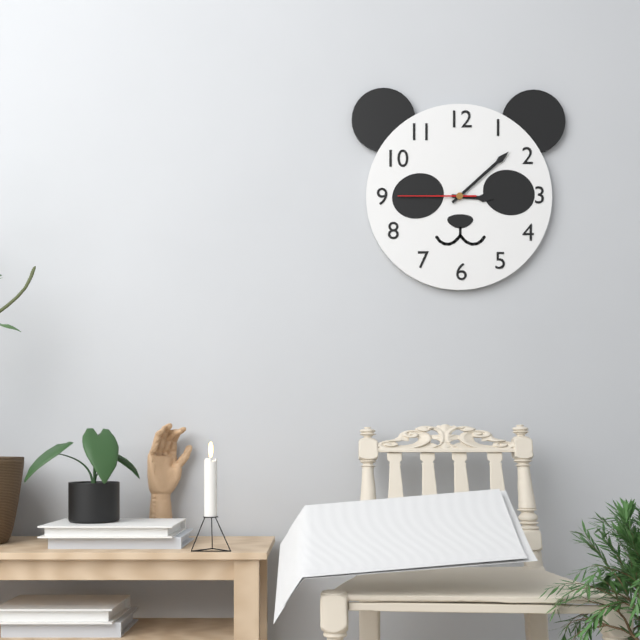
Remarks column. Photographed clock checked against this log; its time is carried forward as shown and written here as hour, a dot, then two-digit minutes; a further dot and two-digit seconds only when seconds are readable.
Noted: 3.08.45
